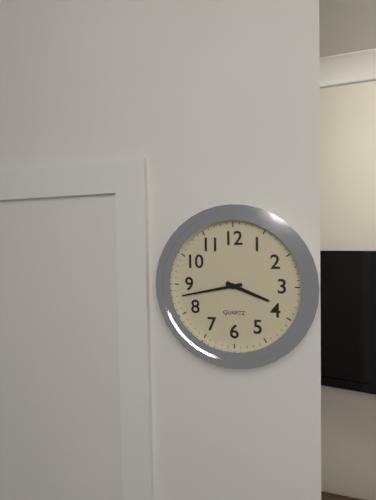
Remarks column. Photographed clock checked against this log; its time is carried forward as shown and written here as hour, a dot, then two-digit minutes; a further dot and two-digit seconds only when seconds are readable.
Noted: 3.43
